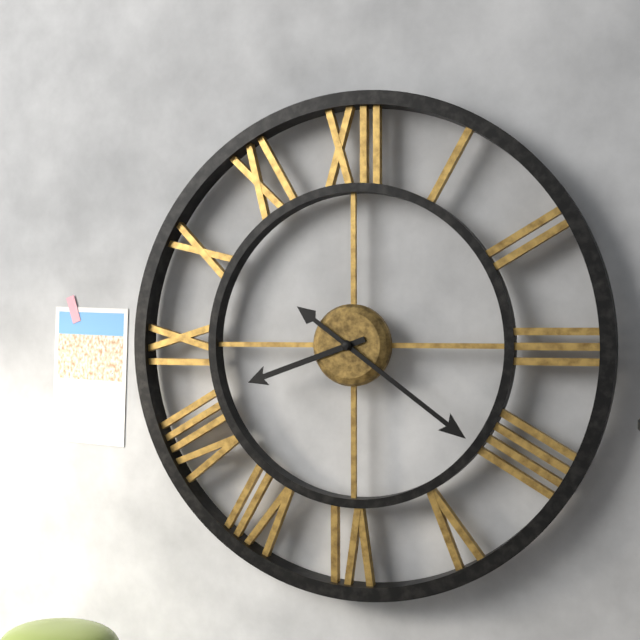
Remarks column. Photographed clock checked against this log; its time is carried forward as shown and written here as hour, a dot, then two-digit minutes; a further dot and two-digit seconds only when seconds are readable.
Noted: 8.21
